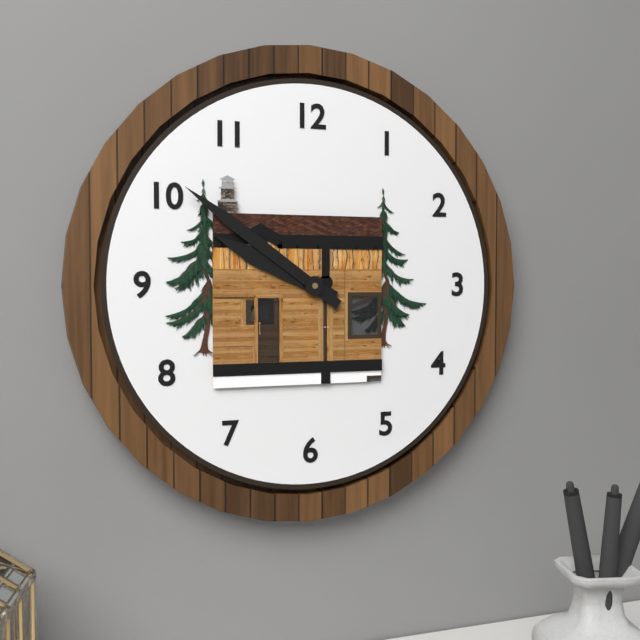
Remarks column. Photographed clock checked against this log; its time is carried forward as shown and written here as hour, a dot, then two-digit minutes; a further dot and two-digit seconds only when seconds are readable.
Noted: 9.51
